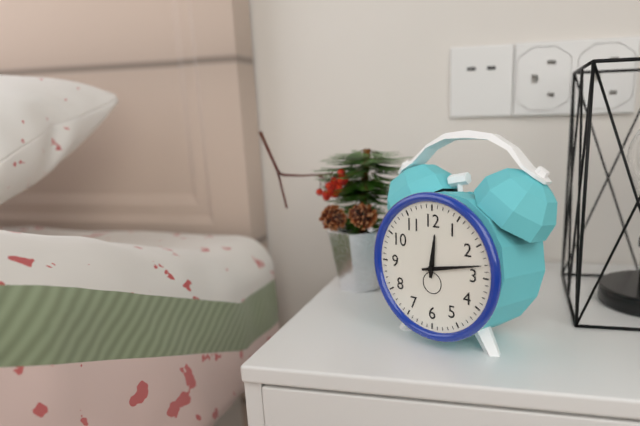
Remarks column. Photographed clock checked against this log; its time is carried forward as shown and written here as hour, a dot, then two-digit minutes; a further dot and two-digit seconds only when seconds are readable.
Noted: 12.13
